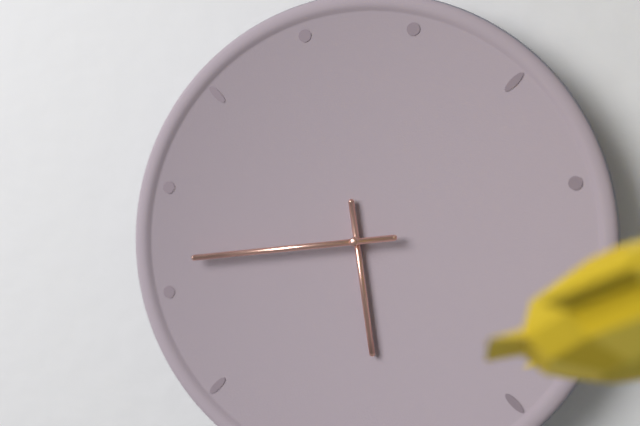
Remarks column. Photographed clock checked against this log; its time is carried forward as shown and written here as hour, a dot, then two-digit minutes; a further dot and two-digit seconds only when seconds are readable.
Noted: 5.44
